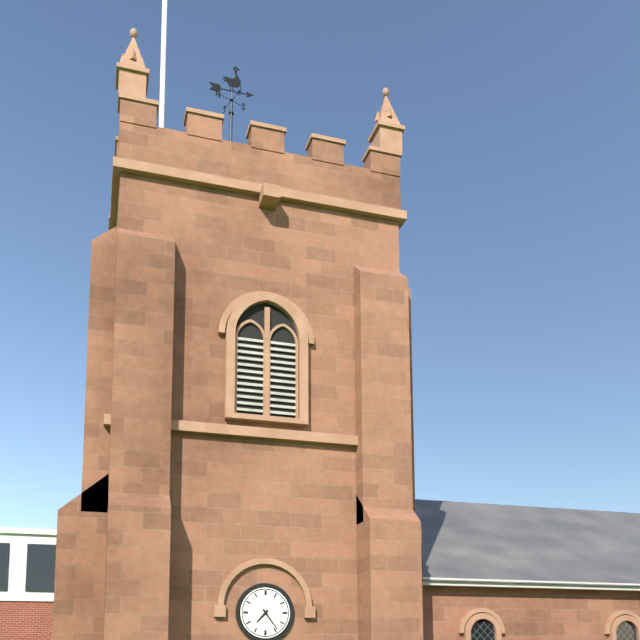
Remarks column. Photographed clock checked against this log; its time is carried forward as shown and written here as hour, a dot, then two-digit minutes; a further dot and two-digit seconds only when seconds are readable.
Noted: 7.24
